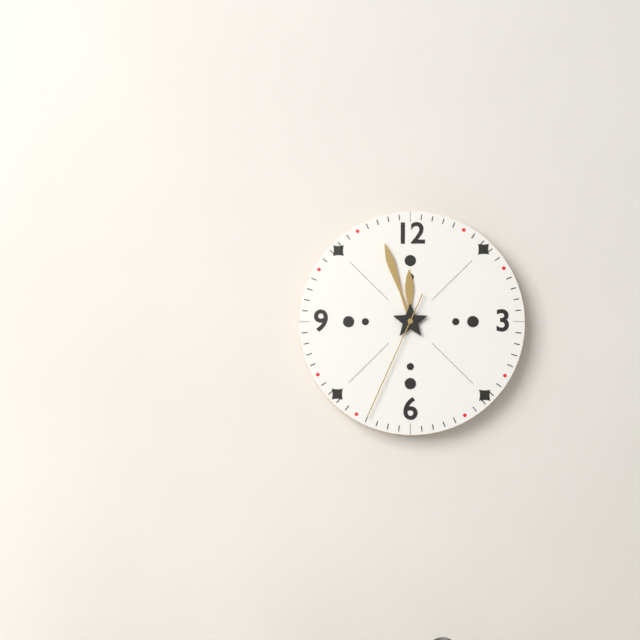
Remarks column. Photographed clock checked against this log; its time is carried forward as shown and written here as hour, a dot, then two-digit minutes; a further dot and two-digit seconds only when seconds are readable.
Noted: 11.57.34
